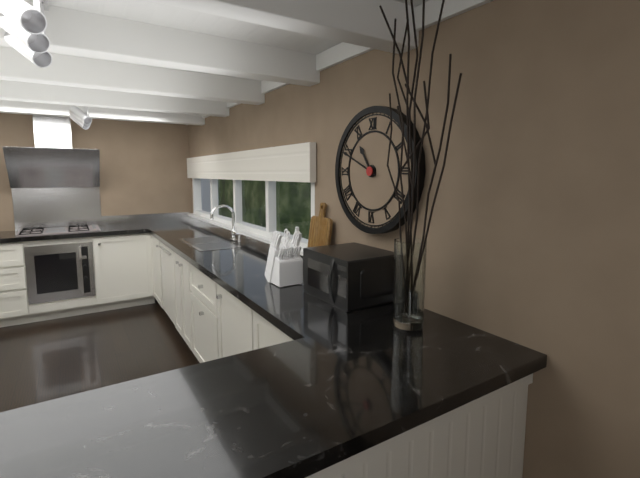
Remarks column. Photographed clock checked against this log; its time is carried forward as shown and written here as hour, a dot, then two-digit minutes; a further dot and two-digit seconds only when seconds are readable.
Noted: 10.49
